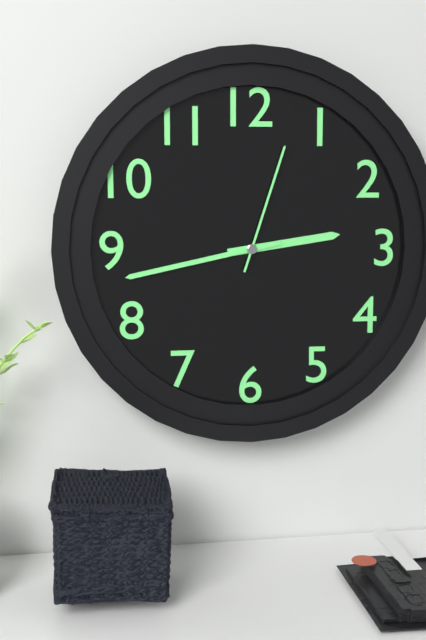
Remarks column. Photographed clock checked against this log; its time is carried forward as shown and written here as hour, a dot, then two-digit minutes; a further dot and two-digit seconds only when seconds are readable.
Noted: 2.43.03
